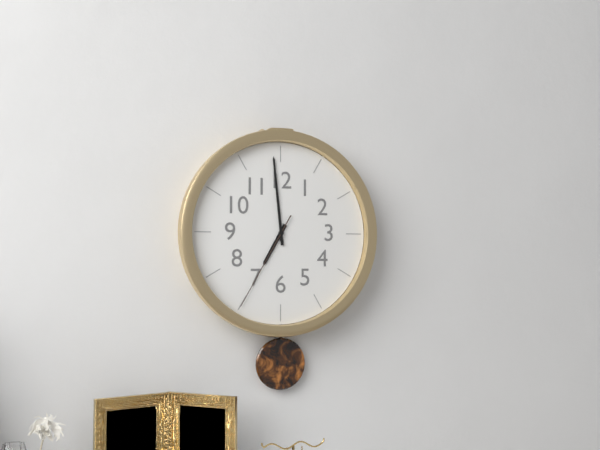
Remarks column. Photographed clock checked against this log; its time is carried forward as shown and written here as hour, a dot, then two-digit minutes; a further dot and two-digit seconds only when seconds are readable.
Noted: 6.59.35
